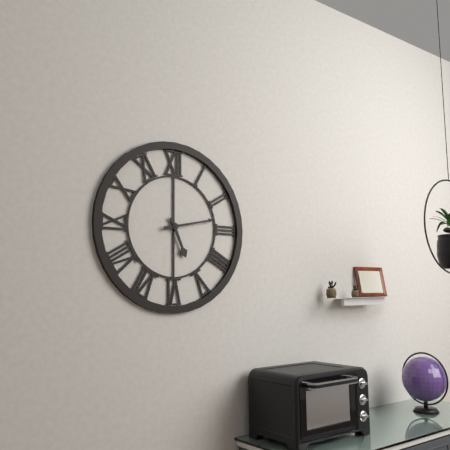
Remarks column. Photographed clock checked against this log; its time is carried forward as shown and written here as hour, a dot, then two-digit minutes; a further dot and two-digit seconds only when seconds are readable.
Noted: 5.13
